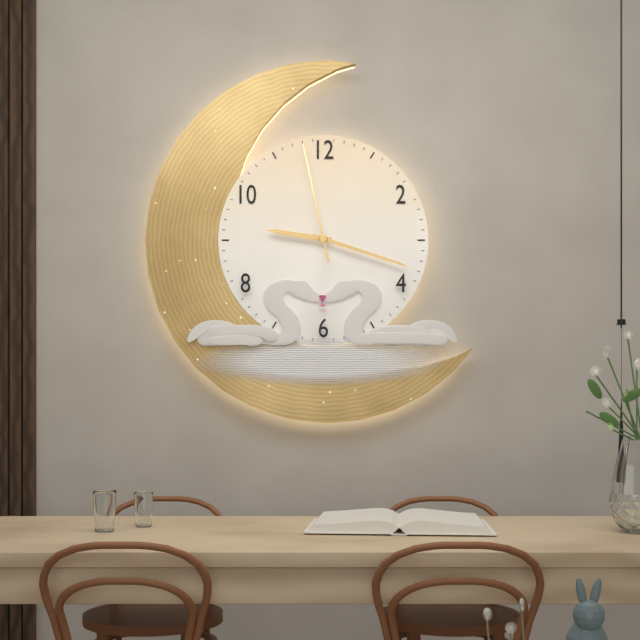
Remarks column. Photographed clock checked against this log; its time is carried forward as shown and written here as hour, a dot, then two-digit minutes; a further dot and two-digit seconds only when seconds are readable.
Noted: 9.18.58
